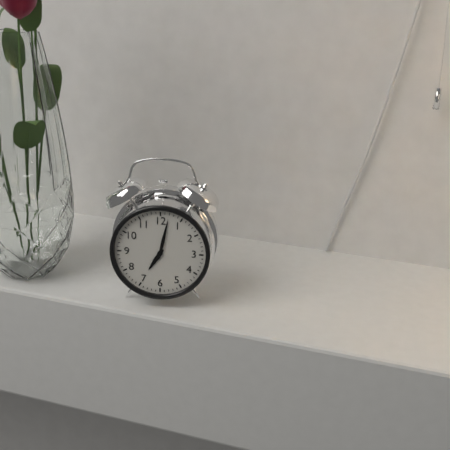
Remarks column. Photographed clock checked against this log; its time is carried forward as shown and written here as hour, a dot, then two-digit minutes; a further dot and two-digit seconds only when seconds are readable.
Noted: 7.02
